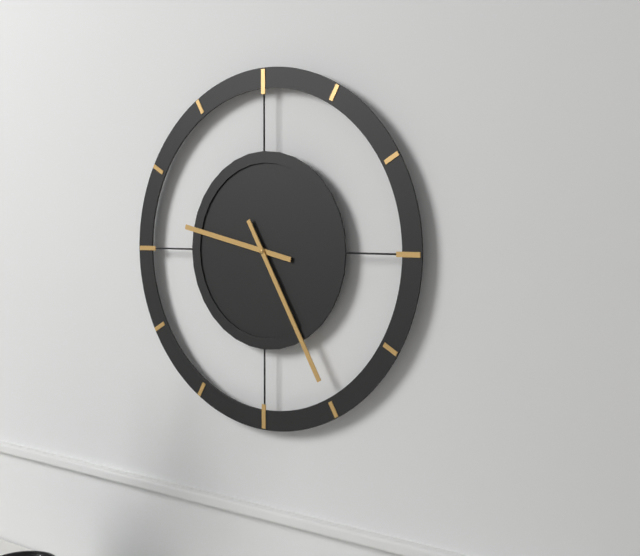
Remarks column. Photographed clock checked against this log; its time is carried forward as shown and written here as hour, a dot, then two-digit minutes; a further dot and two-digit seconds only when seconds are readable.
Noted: 9.25
